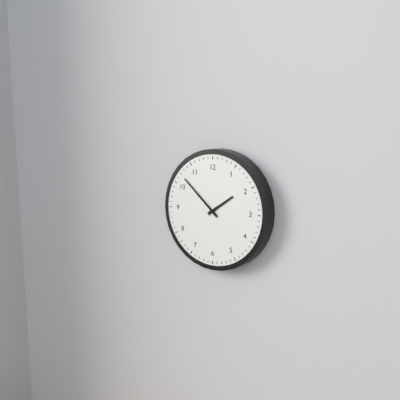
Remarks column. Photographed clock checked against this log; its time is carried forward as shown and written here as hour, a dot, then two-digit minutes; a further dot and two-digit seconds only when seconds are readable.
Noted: 1.52
